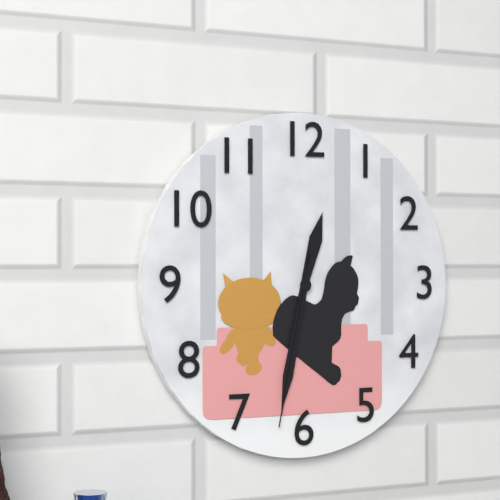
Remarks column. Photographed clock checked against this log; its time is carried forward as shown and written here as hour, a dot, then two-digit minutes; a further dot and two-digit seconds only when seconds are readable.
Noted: 12.32.32
